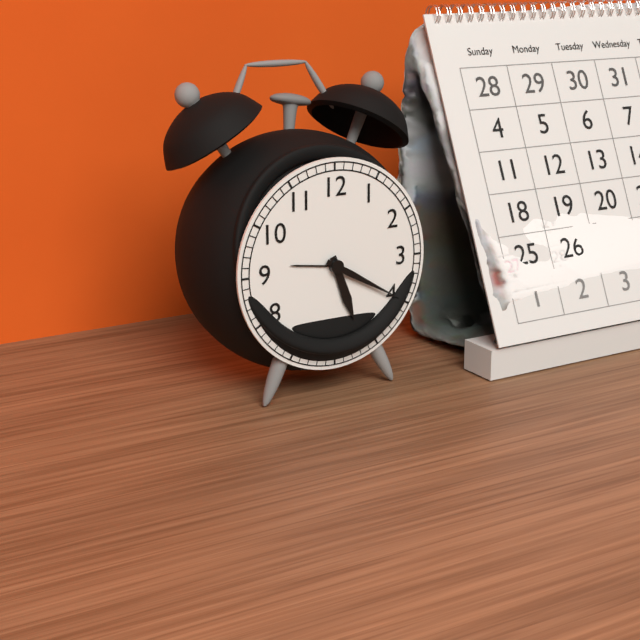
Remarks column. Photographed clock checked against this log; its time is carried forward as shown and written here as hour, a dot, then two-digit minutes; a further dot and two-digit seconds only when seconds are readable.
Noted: 5.20
